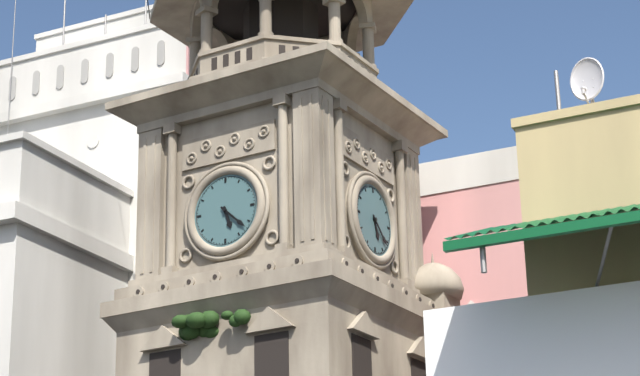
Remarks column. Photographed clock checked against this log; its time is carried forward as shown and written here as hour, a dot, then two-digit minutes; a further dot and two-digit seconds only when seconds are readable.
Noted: 5.22
